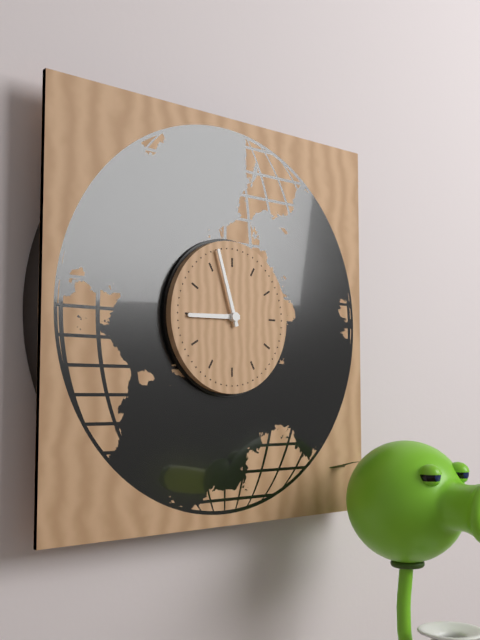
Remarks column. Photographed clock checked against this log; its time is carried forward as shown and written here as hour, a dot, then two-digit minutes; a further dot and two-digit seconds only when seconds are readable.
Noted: 8.57
